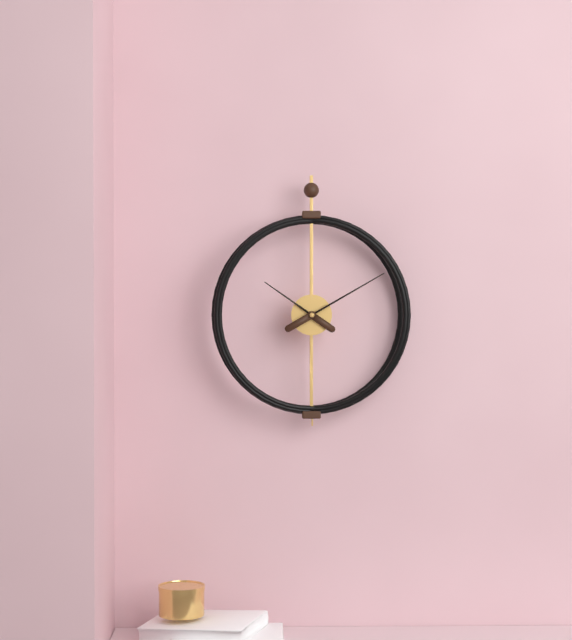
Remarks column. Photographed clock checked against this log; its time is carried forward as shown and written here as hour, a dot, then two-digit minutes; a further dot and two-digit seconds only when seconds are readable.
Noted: 10.10
